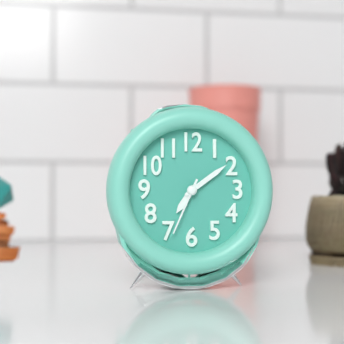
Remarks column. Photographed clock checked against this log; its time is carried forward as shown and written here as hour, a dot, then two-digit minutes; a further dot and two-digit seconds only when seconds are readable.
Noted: 7.09.34
